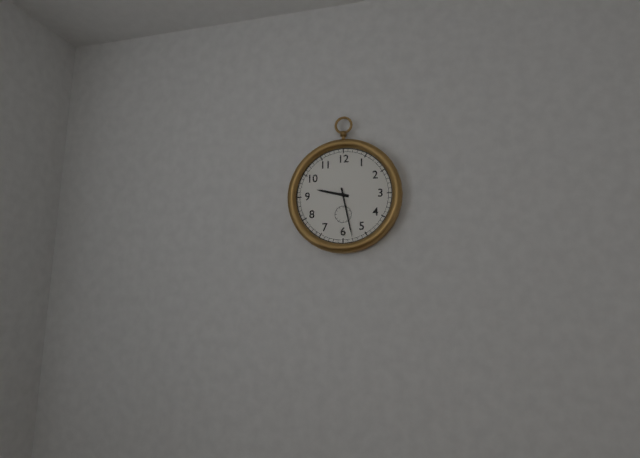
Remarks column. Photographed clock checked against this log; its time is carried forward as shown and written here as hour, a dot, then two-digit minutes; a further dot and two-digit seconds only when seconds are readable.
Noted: 9.28
